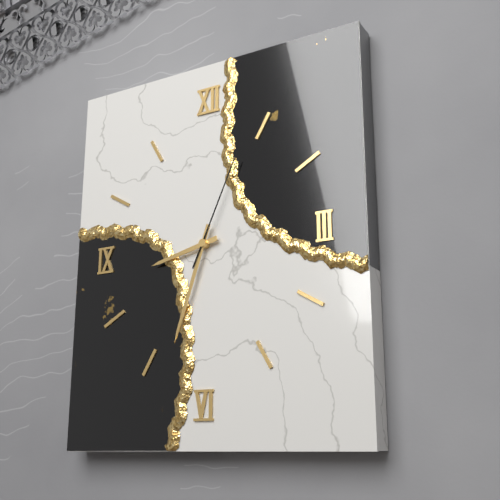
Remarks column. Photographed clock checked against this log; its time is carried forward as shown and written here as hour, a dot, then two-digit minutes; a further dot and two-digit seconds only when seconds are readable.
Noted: 8.33.04
